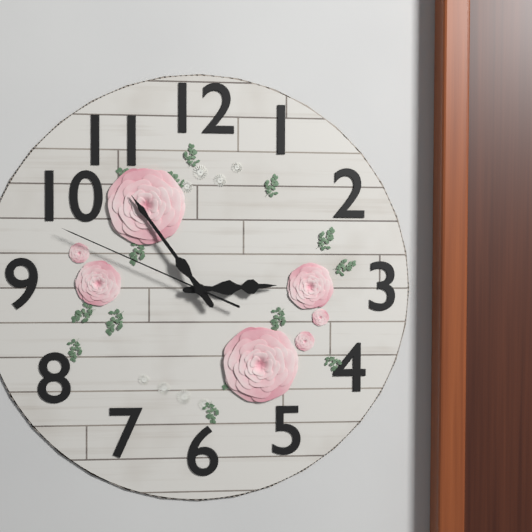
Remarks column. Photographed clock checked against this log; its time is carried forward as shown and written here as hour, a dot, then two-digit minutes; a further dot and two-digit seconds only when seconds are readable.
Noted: 2.54.49
